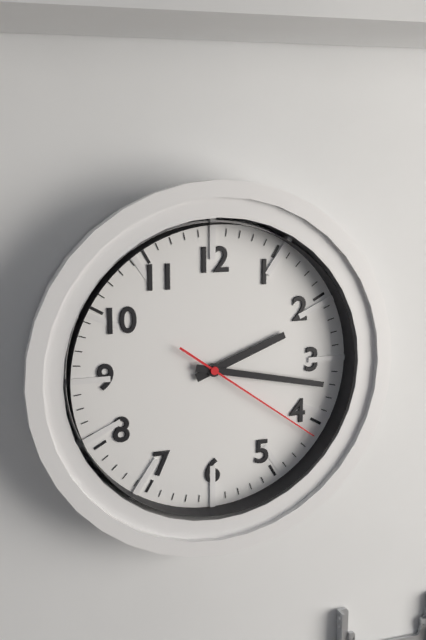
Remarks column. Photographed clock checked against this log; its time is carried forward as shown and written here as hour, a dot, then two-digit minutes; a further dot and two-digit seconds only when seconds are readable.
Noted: 2.17.21
